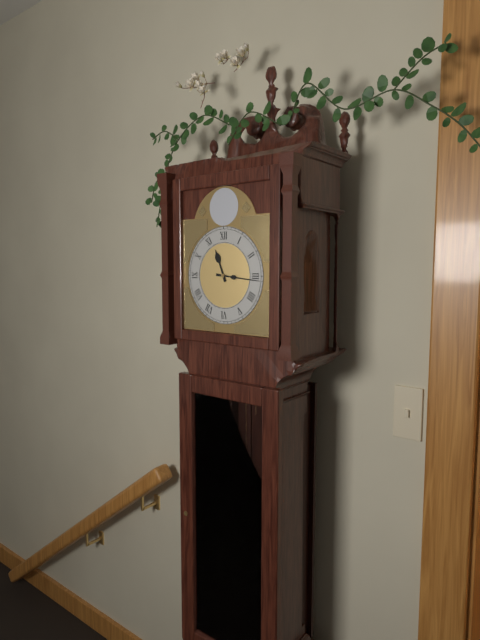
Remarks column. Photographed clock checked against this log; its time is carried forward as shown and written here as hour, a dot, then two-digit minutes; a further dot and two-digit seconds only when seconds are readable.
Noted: 11.16
